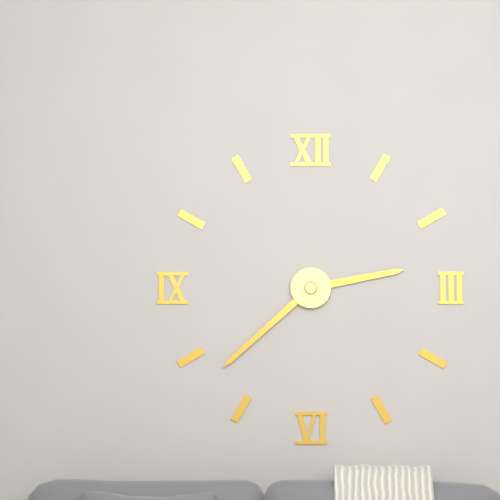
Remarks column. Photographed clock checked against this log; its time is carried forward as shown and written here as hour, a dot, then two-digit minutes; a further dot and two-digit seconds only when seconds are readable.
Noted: 2.38
